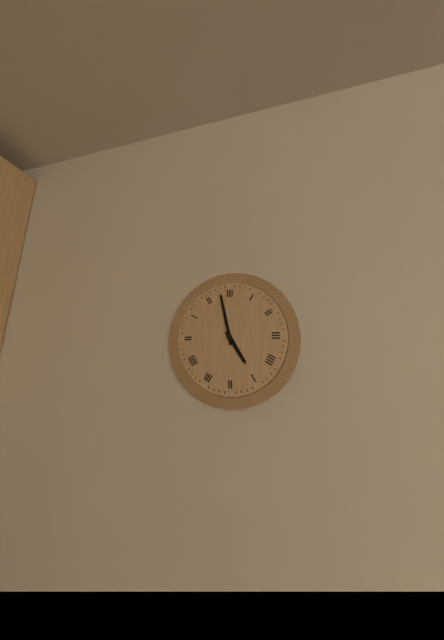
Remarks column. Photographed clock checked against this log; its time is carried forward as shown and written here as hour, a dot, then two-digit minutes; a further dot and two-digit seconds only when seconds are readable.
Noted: 4.58
